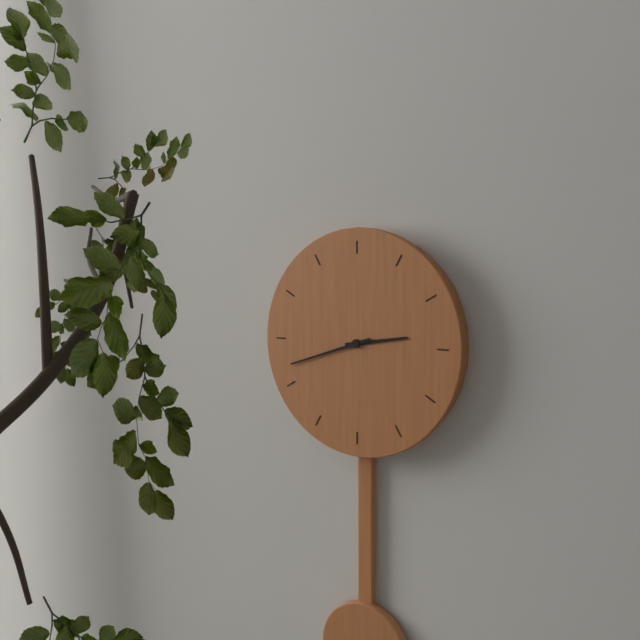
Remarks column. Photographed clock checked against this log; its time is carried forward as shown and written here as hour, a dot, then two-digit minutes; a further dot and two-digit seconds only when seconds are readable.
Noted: 2.42
